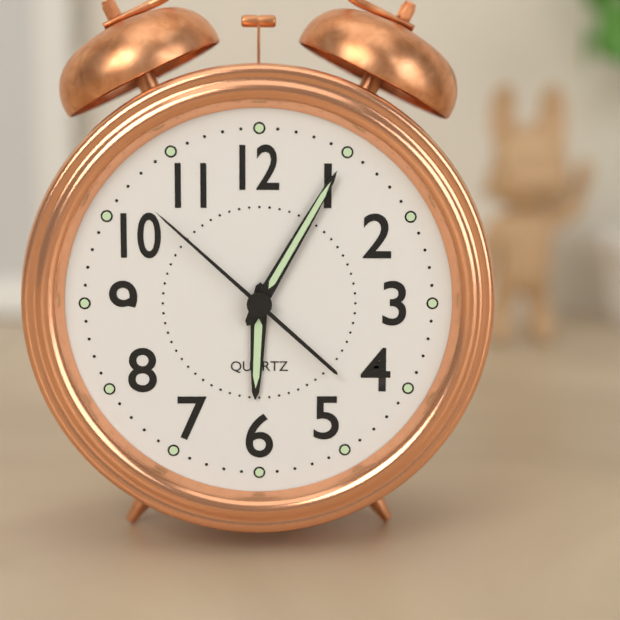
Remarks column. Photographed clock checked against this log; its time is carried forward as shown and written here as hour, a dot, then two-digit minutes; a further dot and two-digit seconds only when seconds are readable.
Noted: 6.05.52
